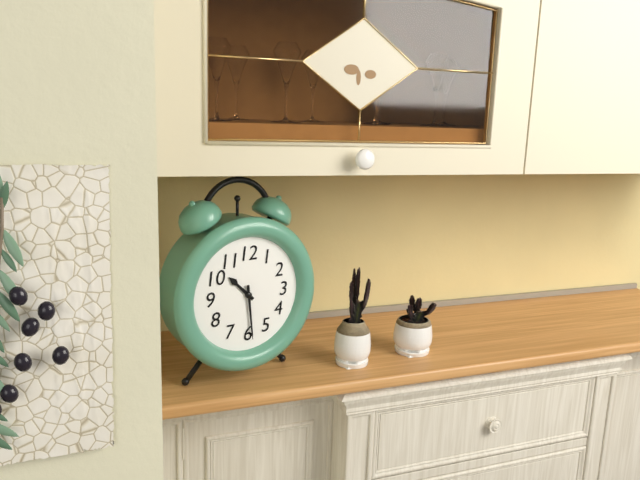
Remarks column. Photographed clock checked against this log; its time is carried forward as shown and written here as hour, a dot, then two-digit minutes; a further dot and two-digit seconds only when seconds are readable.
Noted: 10.29
